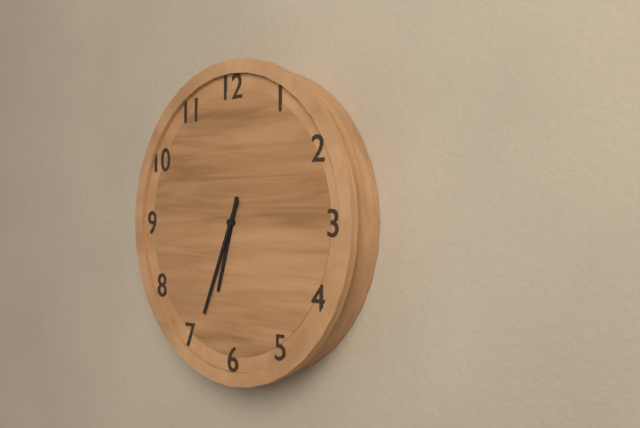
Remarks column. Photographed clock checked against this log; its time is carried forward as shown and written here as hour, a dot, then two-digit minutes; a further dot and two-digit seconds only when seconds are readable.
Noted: 6.34
